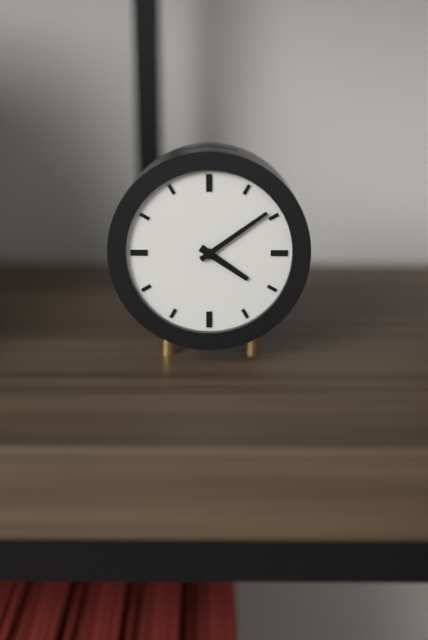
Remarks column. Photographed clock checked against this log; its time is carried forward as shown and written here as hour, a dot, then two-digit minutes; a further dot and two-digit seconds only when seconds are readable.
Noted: 4.09
